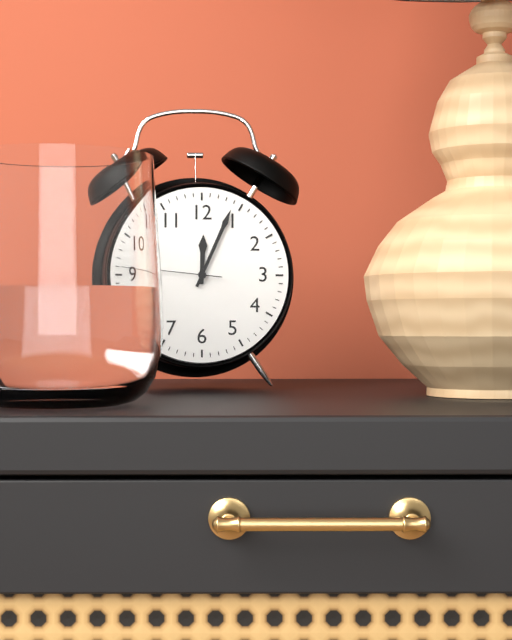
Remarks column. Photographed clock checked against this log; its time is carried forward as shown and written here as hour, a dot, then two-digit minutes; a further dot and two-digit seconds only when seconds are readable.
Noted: 12.04.46
